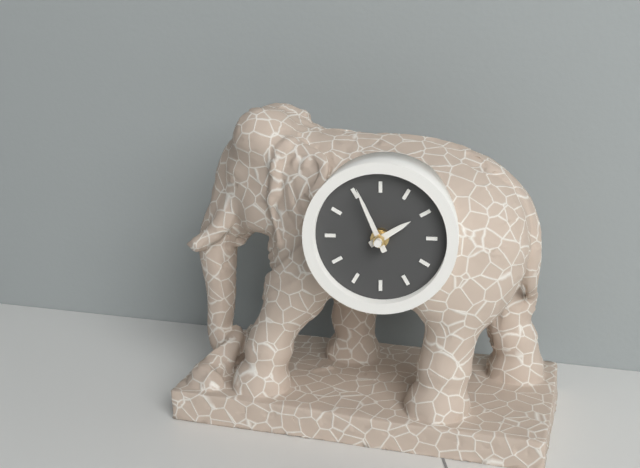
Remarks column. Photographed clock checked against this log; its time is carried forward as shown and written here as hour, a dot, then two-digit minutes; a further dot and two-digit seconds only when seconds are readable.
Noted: 1.56
